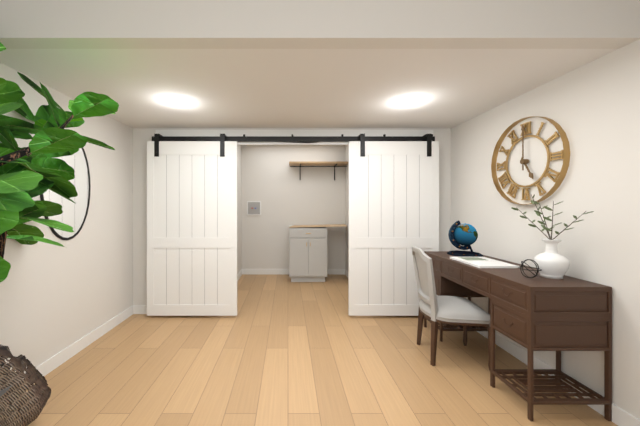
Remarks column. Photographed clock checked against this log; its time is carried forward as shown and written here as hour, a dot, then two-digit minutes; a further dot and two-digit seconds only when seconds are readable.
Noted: 5.00
